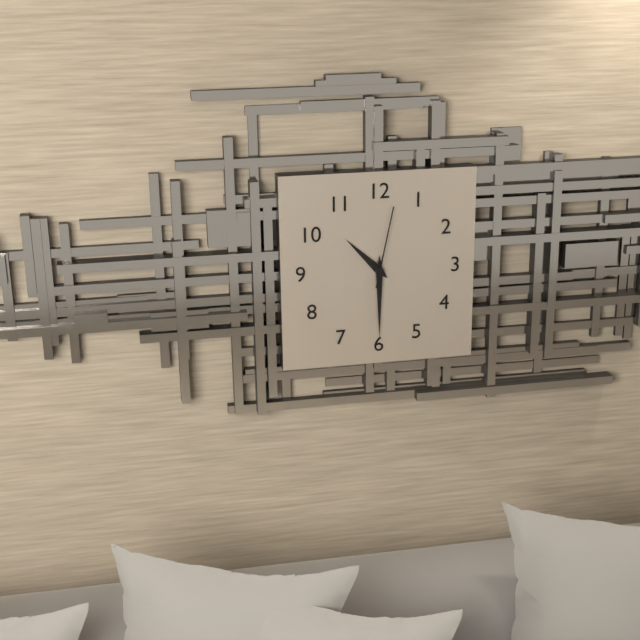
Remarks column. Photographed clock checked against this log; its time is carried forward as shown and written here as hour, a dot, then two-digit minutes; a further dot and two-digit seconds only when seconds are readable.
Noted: 10.30.02
